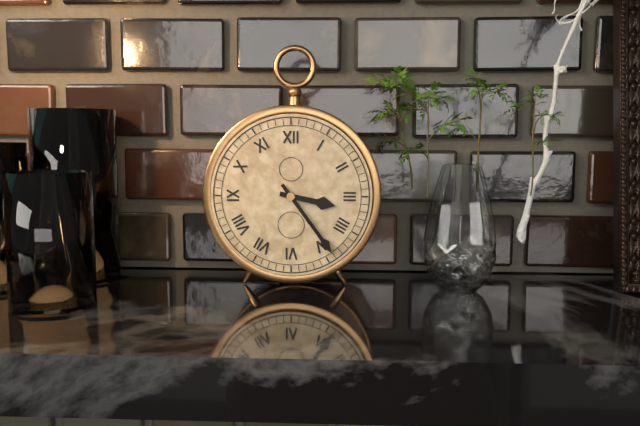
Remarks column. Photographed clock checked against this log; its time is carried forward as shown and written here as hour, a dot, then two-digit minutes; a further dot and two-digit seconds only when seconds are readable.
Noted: 3.24
